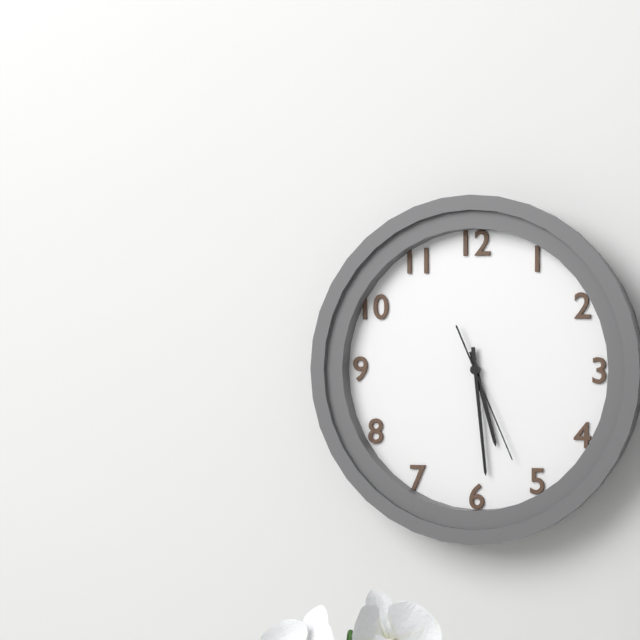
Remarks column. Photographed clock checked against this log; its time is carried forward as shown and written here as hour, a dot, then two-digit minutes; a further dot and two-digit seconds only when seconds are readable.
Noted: 5.29.26
